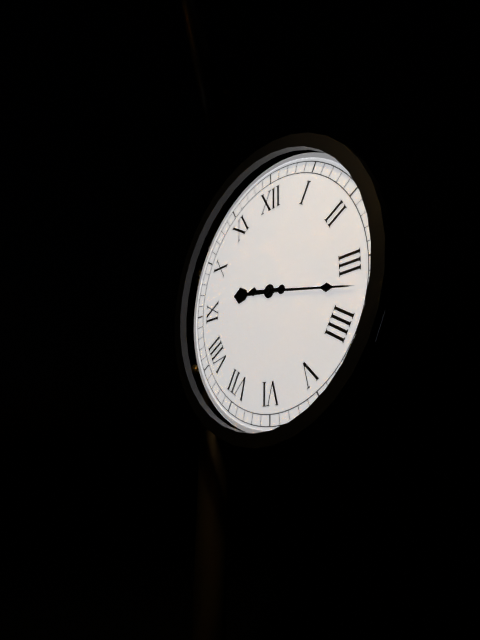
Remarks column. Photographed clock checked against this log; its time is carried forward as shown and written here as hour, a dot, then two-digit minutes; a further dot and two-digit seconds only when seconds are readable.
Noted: 9.17
